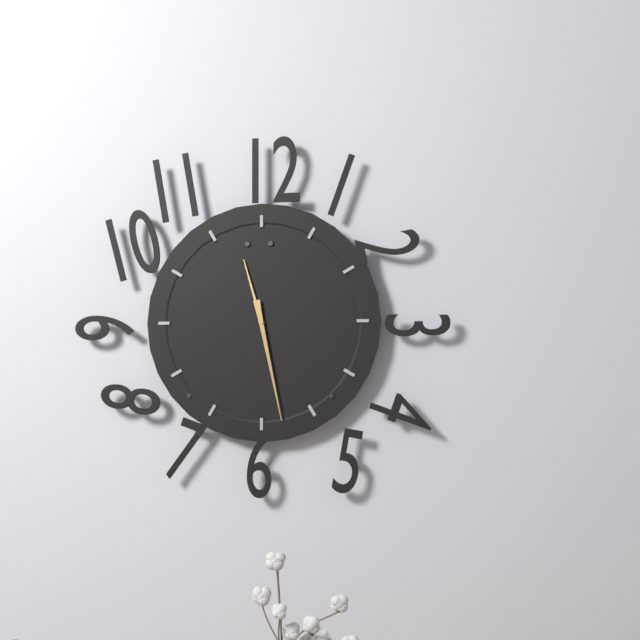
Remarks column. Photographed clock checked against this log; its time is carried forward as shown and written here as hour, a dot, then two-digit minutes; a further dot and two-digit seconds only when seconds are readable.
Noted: 11.28
